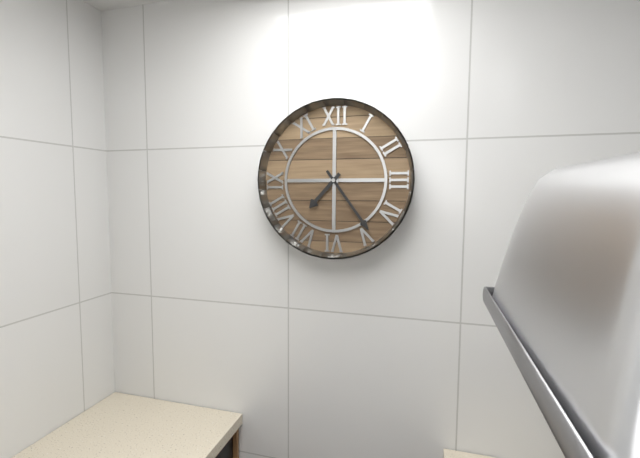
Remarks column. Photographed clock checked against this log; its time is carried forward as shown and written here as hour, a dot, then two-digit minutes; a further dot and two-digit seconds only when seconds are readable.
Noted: 7.24
